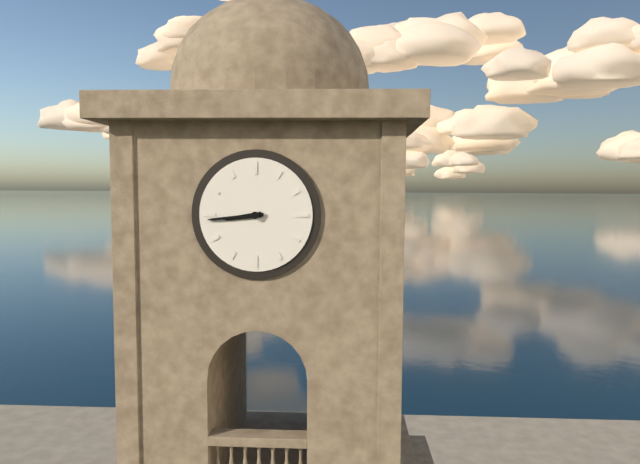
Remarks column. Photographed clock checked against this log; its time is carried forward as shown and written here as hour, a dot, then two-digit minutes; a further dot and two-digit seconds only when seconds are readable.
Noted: 8.44
